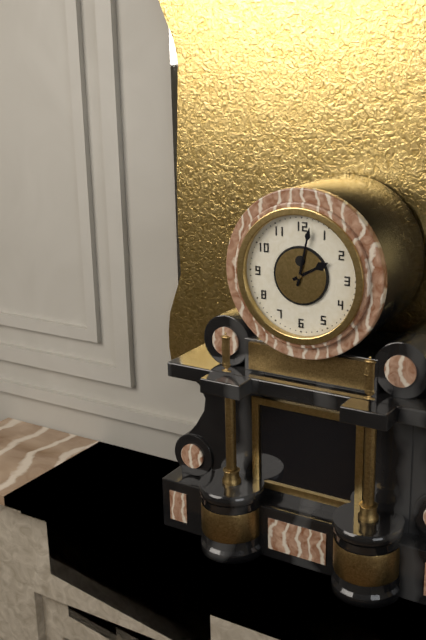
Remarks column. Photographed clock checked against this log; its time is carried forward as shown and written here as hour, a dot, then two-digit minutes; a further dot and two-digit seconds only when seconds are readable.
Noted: 2.02
